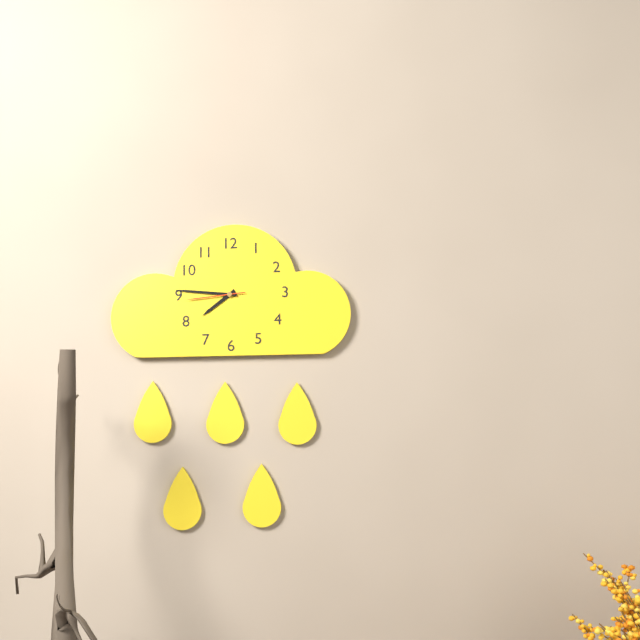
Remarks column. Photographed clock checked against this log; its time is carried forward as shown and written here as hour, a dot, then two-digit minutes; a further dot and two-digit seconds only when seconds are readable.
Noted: 7.46.44
